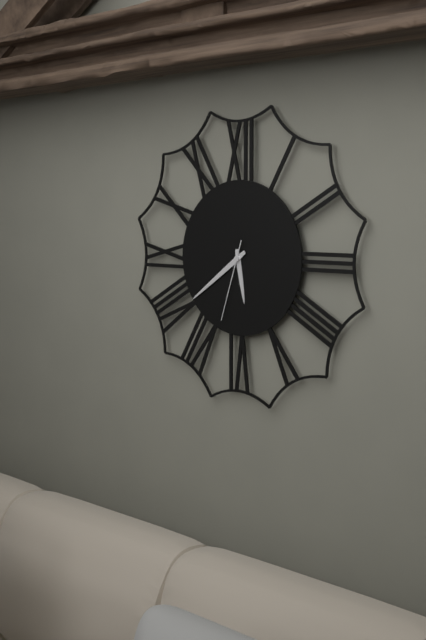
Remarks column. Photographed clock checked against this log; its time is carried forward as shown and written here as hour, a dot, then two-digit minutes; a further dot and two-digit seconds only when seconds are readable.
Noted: 5.39.33
